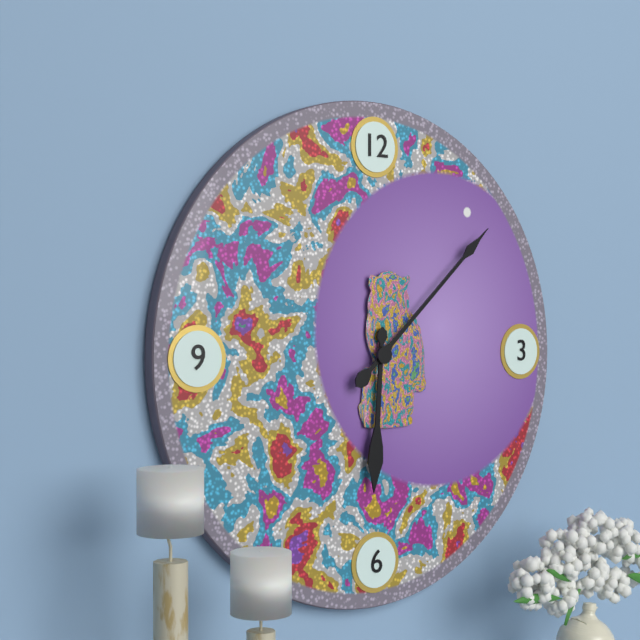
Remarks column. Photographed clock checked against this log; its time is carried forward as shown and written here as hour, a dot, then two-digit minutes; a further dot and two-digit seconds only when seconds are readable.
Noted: 6.08
